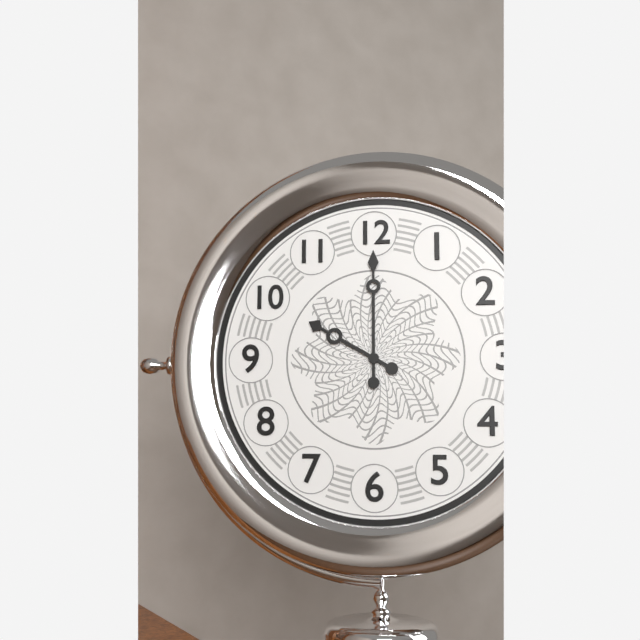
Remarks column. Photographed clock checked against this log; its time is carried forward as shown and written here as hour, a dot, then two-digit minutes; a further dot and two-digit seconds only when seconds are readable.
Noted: 10.00
